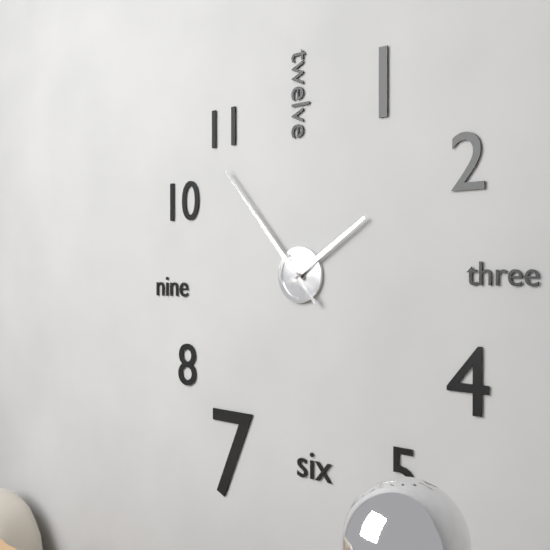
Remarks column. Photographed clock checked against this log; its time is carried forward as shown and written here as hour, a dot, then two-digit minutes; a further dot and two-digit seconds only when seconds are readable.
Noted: 1.53
